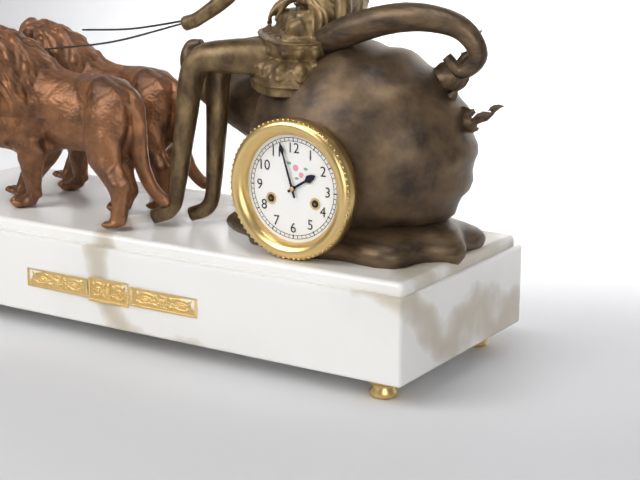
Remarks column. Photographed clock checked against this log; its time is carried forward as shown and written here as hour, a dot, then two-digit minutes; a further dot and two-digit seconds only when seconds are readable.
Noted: 1.57
